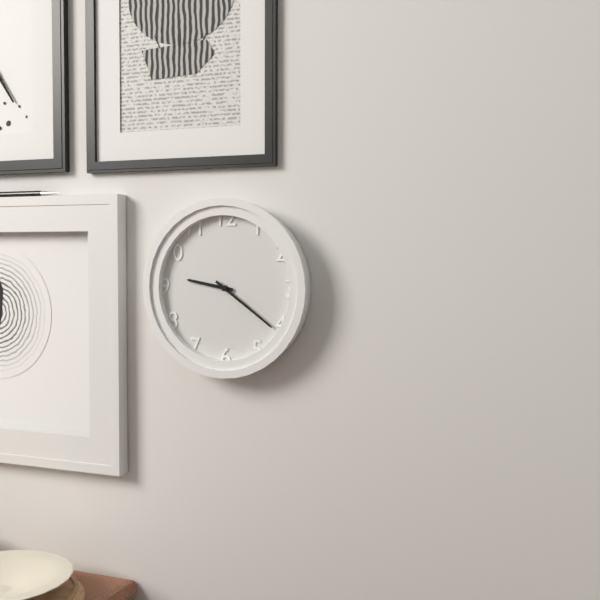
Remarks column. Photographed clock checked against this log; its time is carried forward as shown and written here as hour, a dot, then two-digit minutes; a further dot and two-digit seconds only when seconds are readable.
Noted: 9.21
